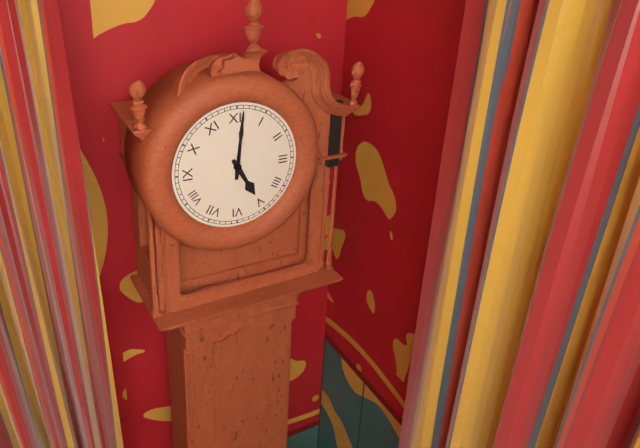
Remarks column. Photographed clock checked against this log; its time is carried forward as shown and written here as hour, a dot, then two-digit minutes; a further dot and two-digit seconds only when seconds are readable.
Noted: 5.01
